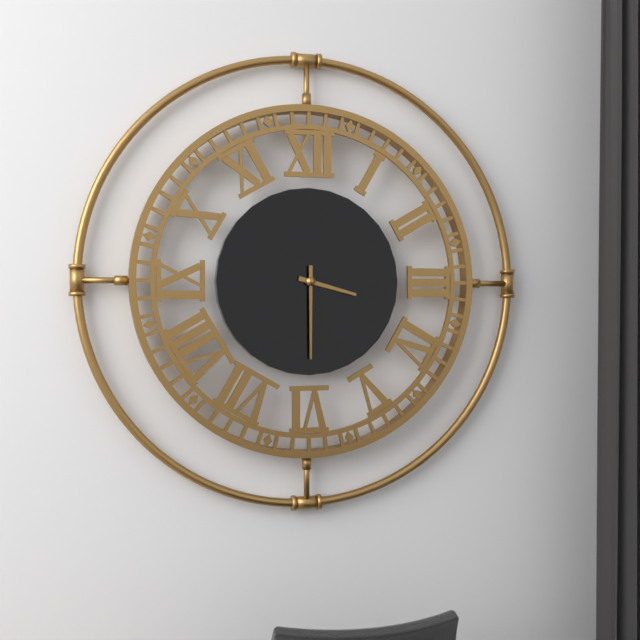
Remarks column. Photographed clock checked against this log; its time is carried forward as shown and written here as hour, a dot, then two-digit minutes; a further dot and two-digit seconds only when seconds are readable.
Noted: 3.30
